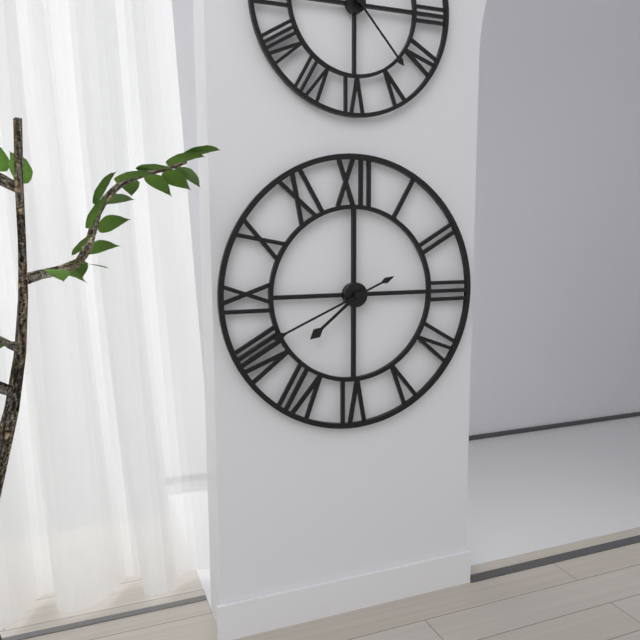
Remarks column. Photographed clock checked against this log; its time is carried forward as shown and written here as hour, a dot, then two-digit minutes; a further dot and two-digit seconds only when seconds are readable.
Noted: 7.41
